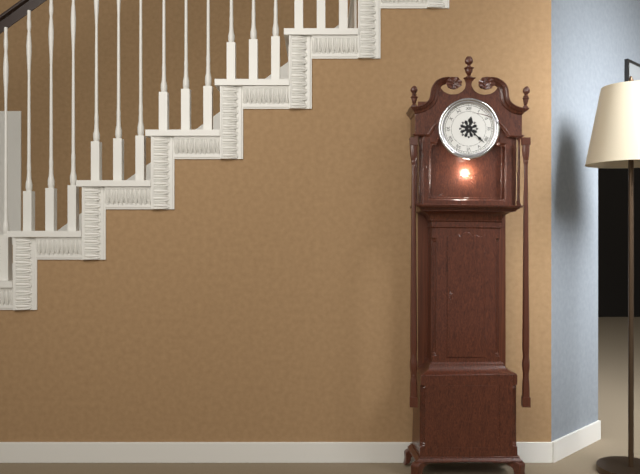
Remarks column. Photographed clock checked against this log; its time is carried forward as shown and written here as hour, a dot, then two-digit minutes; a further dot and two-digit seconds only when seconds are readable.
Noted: 12.22
